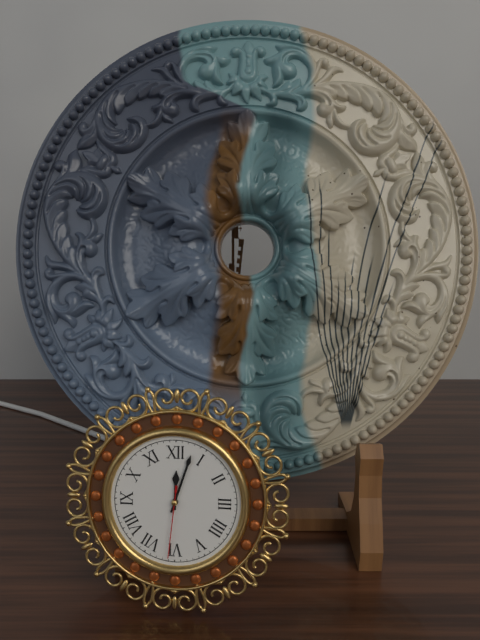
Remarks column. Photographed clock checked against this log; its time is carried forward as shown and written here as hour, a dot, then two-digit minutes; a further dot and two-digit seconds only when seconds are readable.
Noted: 12.03.31
